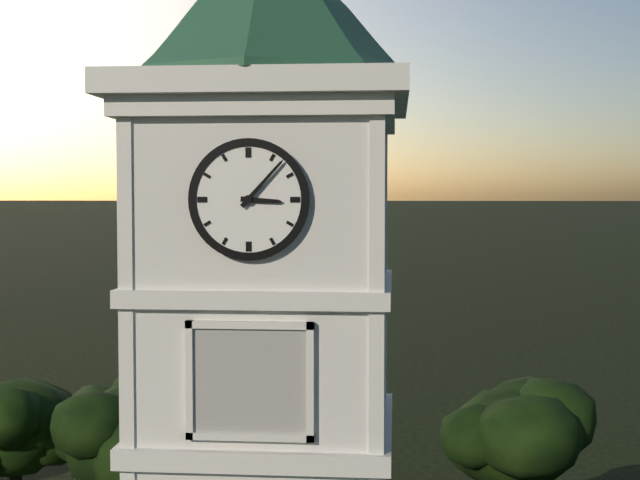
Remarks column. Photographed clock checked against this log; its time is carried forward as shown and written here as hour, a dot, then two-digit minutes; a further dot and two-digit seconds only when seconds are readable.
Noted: 3.07
